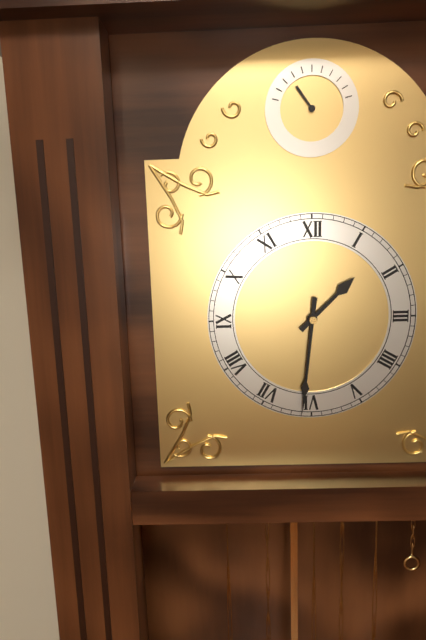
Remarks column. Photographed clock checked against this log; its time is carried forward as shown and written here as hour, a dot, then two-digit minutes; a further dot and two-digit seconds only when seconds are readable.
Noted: 1.31
